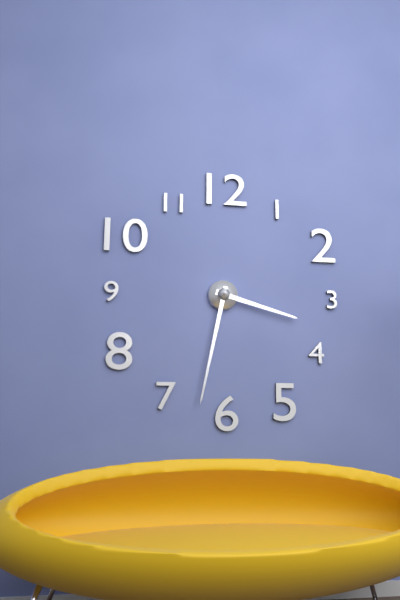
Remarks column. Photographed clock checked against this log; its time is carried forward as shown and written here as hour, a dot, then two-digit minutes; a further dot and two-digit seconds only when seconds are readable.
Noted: 3.32
